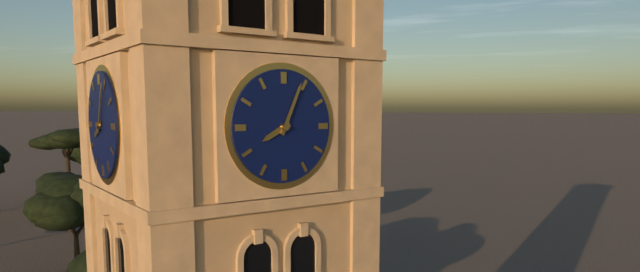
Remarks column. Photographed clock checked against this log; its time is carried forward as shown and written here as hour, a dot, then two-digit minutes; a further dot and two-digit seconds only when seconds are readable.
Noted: 8.04
